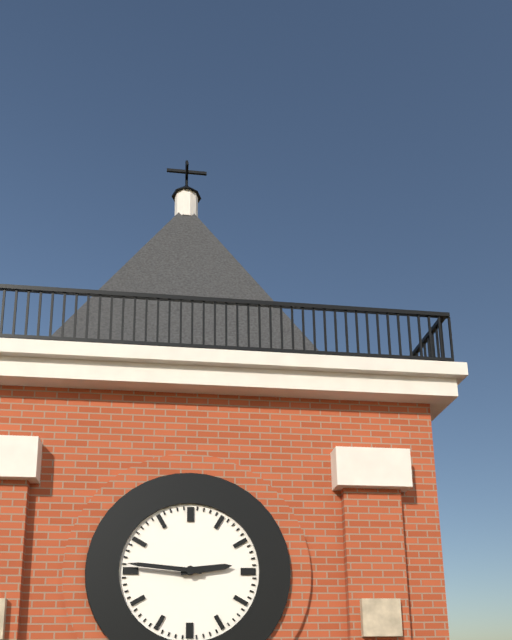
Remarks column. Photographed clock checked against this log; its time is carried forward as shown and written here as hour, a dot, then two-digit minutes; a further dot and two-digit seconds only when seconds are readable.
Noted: 2.46
